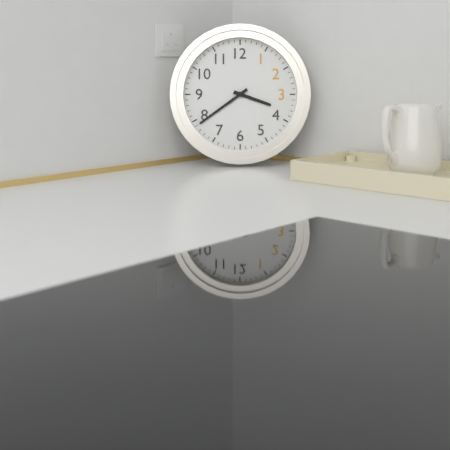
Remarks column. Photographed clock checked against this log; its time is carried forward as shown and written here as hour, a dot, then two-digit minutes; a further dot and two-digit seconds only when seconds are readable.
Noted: 3.39
